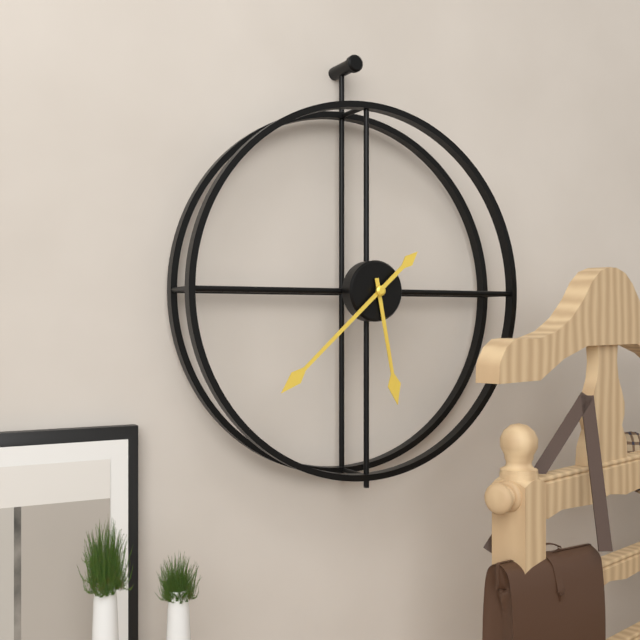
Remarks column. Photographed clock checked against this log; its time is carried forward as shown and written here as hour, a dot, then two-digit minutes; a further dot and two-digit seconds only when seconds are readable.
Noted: 5.38
